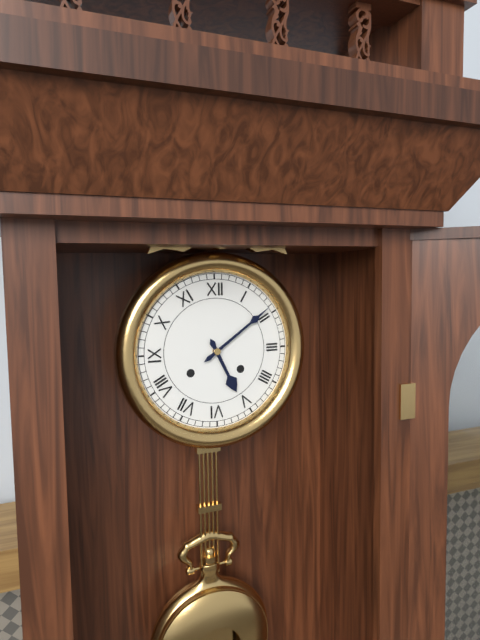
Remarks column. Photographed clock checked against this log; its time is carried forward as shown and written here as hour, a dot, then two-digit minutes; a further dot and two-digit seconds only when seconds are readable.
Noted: 5.09
